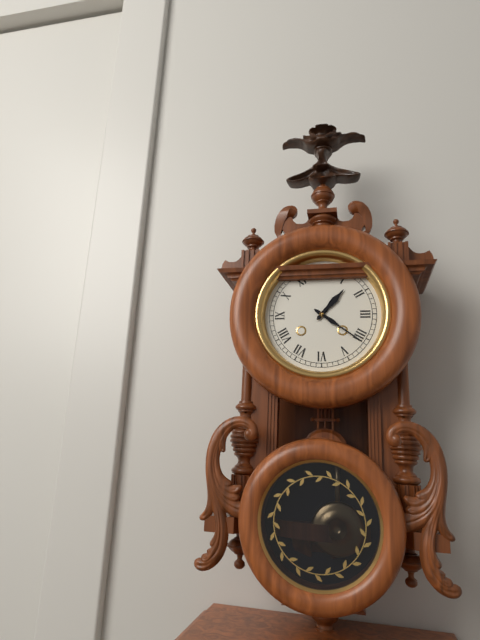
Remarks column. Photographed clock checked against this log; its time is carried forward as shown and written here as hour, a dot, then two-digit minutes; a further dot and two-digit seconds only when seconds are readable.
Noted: 1.21
